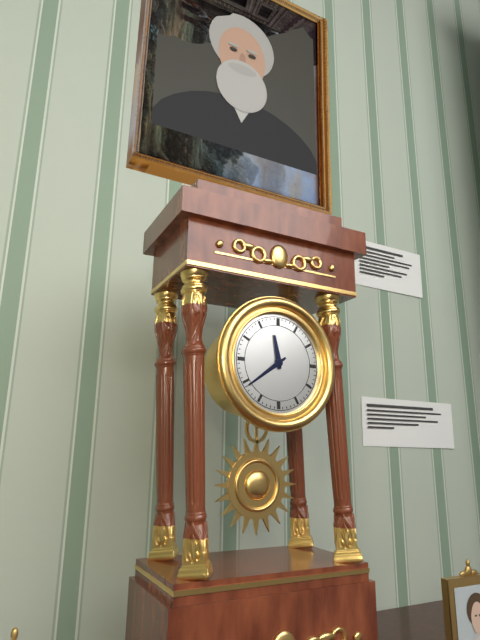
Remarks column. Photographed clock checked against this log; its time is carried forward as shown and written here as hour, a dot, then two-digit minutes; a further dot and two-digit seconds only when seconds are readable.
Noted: 11.39
